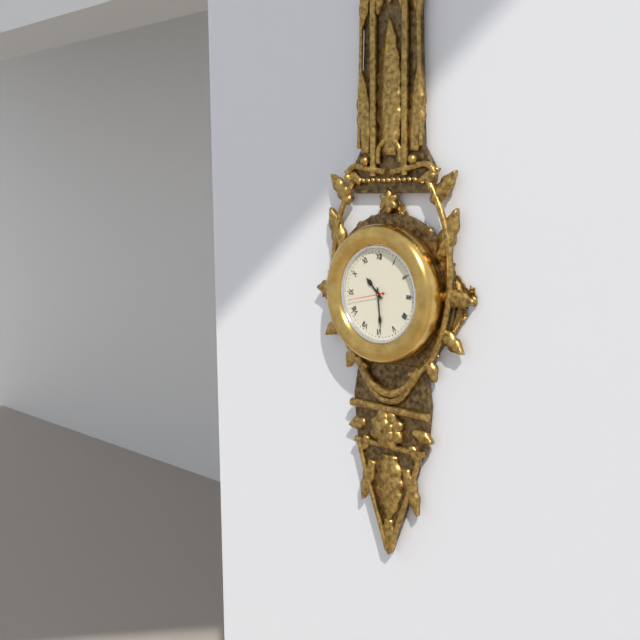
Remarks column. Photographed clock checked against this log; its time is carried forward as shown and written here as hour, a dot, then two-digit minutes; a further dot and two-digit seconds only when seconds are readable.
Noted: 10.29.43
